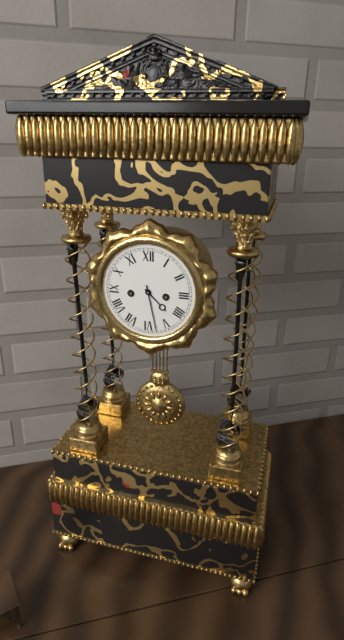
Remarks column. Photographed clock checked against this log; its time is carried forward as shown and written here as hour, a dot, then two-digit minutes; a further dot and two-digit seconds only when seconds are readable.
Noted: 4.28
